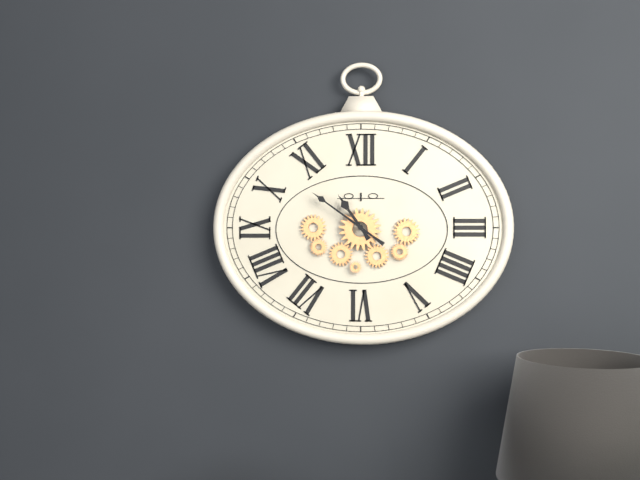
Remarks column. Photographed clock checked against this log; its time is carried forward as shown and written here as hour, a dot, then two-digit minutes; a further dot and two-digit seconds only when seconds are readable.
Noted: 10.51
